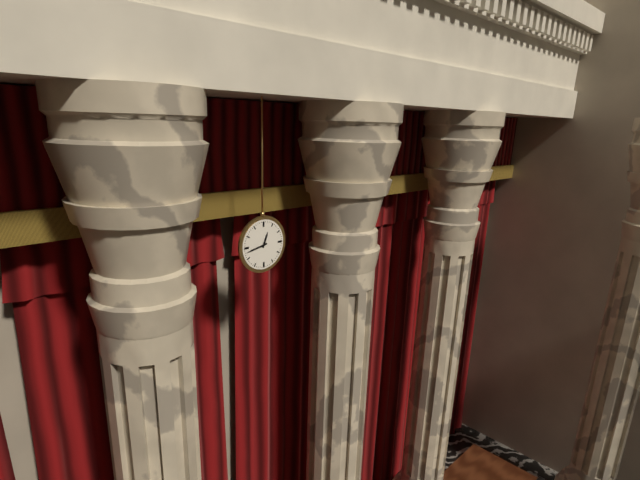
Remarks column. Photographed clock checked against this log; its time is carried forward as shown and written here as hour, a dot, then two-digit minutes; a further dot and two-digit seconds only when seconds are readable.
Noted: 12.43
